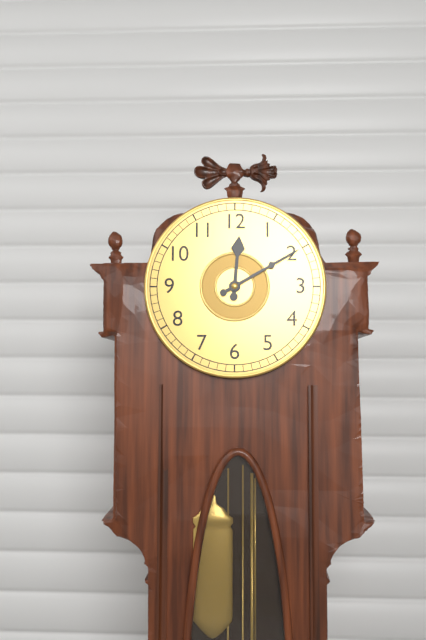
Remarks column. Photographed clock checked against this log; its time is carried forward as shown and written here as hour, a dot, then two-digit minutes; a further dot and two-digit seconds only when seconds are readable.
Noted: 12.10
